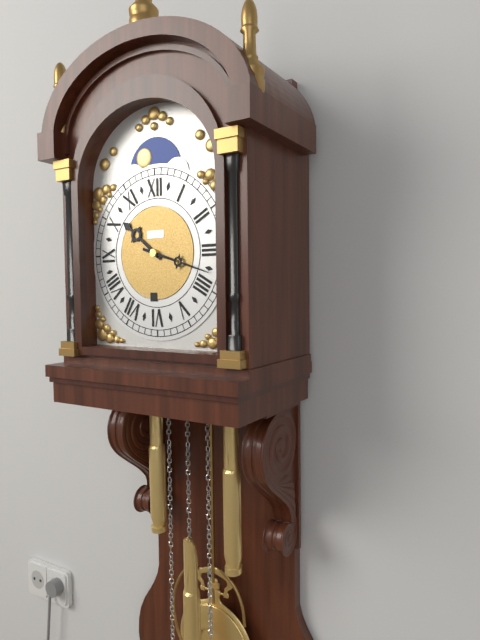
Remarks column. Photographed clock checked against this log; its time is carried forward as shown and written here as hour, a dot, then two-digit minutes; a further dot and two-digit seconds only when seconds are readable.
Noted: 10.18
